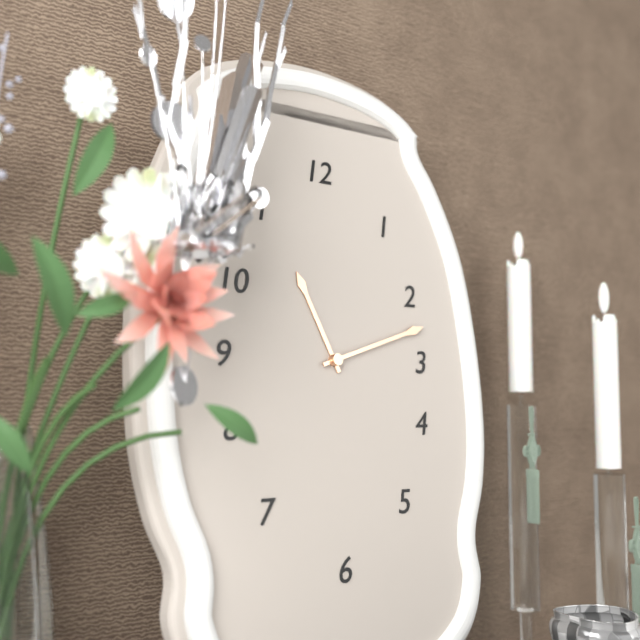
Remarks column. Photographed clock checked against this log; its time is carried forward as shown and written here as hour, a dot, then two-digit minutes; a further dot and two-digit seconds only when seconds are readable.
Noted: 11.12
